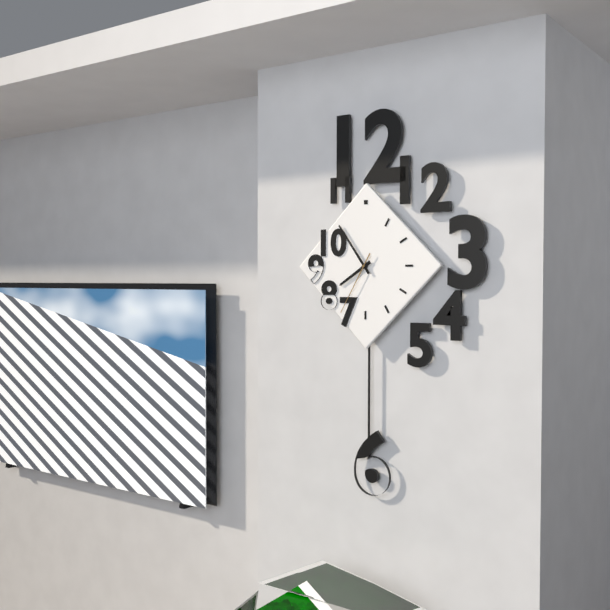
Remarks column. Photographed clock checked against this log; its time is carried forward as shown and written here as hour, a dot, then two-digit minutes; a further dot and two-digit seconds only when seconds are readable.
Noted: 7.54.35
